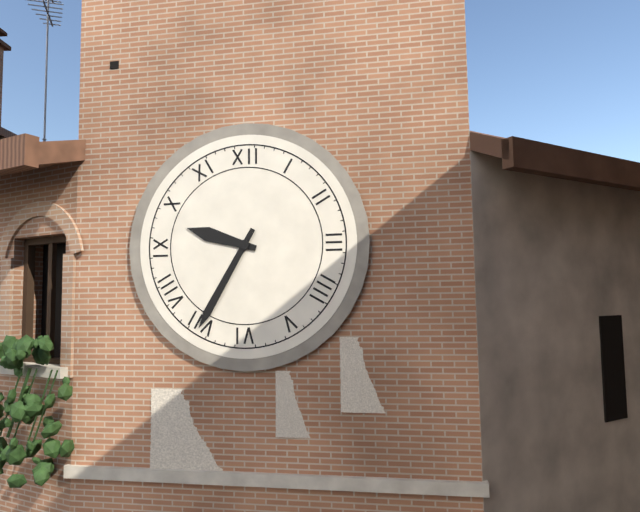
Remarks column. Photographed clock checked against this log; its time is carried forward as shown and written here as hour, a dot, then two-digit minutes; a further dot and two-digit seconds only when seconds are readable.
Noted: 9.35
